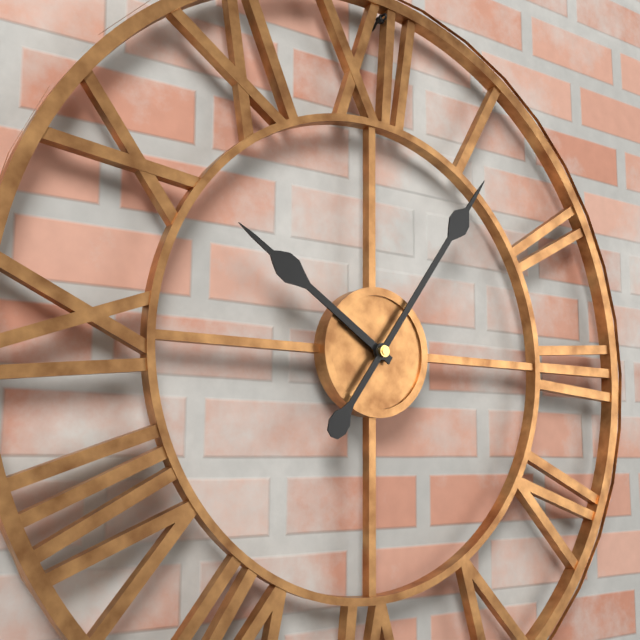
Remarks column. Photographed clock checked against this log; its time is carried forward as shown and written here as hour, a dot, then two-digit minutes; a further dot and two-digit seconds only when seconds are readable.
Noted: 10.06
